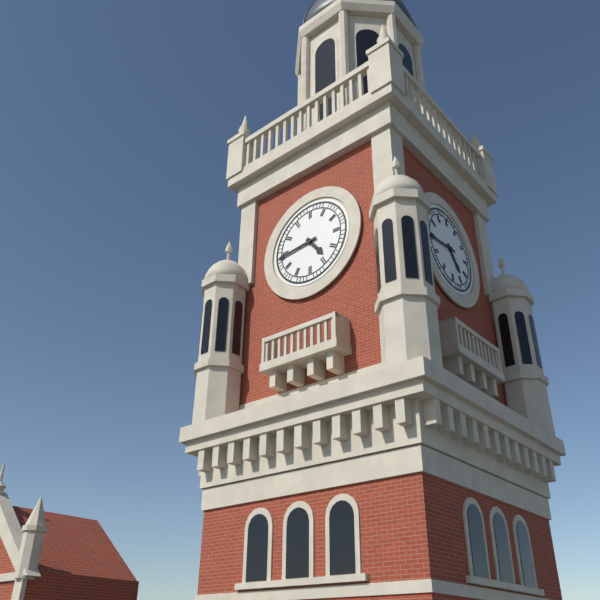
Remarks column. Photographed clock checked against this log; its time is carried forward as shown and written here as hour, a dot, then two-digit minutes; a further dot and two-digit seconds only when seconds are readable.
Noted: 4.44
